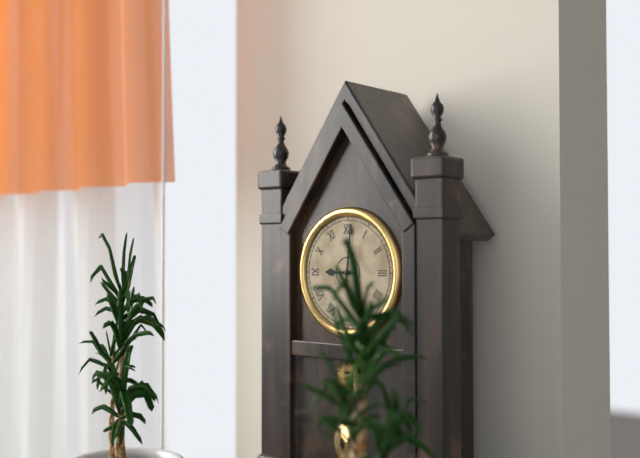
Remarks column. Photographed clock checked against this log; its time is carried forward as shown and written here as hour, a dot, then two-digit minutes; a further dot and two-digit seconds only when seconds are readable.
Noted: 9.01
